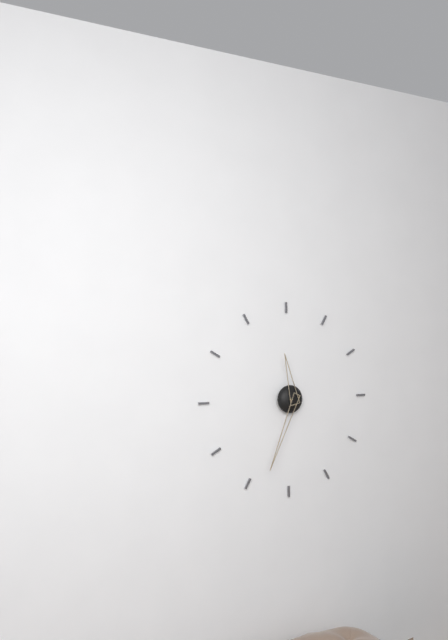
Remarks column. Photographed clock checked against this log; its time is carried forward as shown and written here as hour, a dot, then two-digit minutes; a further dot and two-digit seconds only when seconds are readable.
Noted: 11.34
